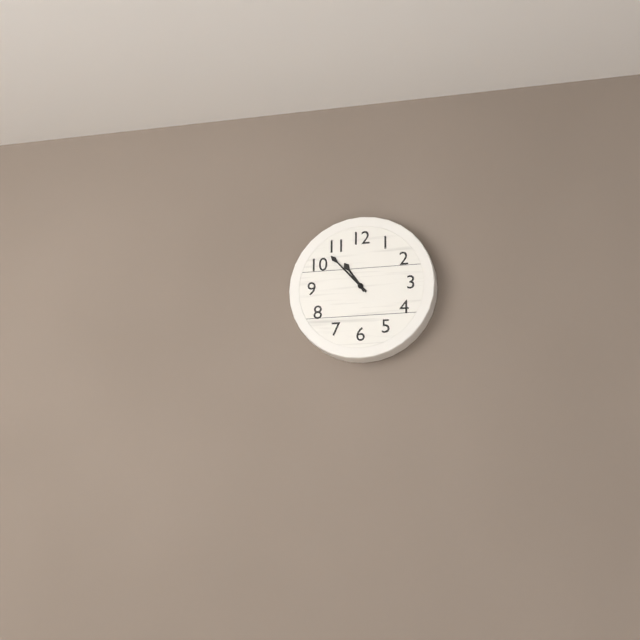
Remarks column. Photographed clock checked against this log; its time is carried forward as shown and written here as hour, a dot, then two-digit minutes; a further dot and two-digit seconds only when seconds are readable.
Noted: 10.53
